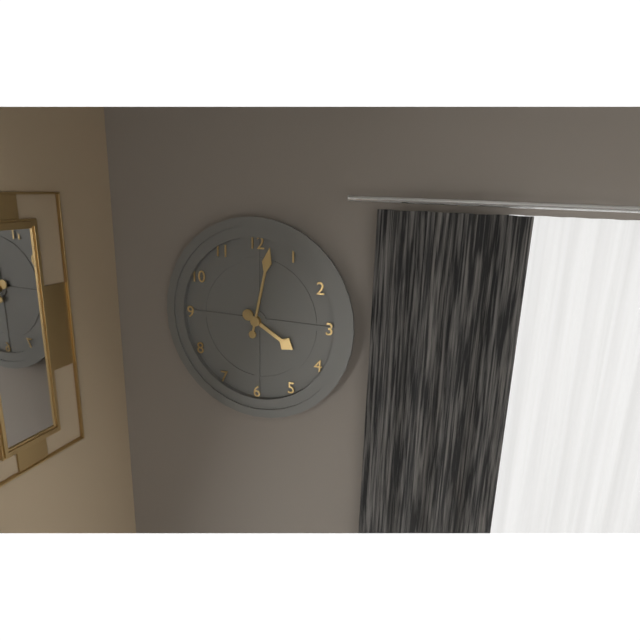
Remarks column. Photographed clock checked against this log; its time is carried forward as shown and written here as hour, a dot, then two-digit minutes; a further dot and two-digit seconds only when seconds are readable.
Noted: 4.02
